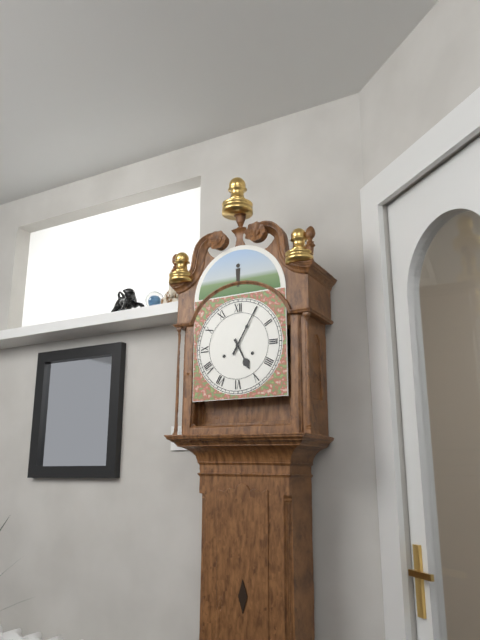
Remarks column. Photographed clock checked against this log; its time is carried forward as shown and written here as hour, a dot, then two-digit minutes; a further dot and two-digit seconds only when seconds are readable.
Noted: 5.05
